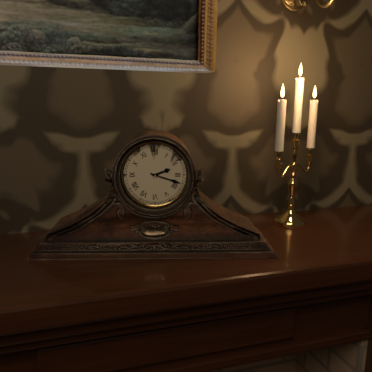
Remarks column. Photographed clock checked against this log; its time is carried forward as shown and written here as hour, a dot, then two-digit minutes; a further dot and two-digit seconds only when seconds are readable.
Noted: 2.18
